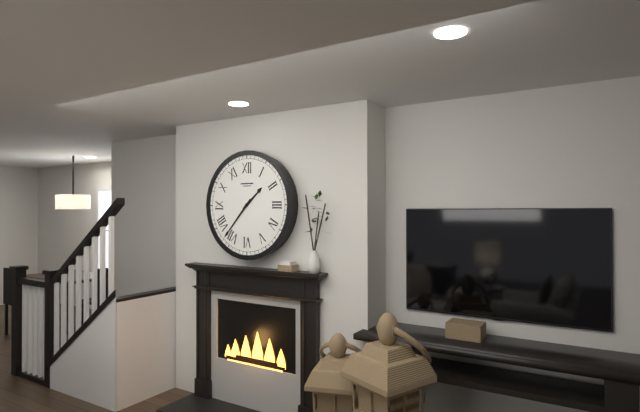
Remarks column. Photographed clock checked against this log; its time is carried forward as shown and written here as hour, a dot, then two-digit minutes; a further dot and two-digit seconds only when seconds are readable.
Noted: 1.37
